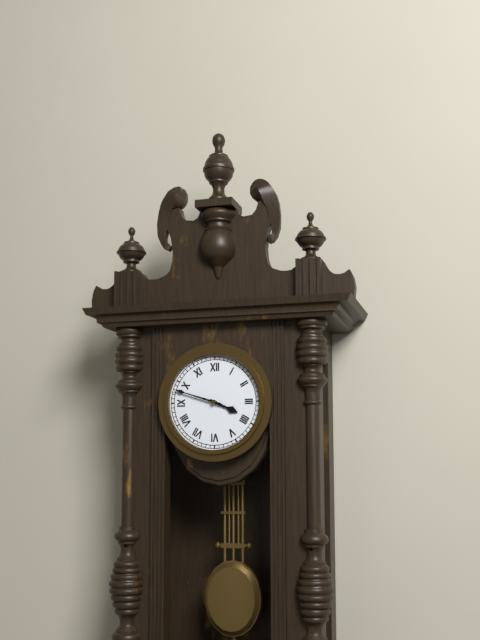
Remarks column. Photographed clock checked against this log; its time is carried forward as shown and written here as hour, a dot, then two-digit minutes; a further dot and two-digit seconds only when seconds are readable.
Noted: 3.48
